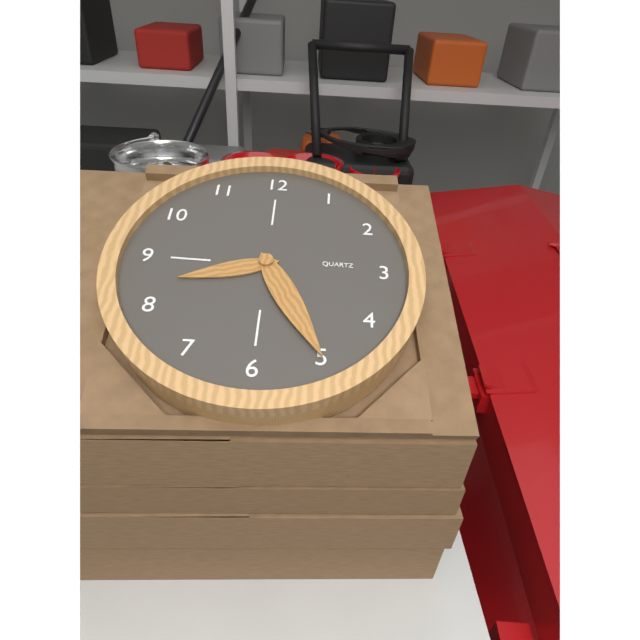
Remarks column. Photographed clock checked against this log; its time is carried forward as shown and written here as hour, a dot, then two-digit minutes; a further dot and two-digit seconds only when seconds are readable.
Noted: 8.25
